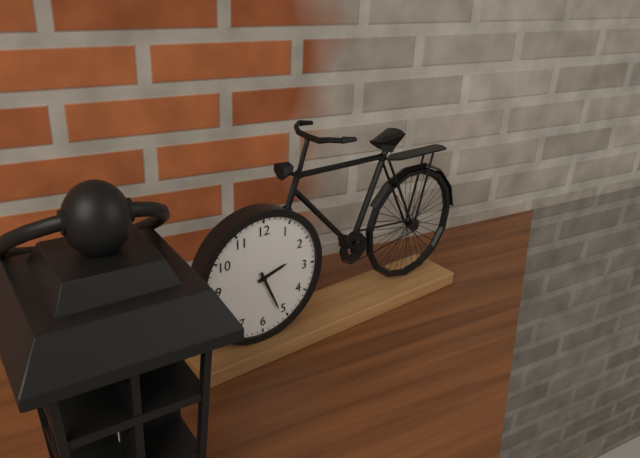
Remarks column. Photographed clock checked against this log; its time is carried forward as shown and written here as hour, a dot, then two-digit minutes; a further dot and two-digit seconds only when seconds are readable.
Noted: 2.26
